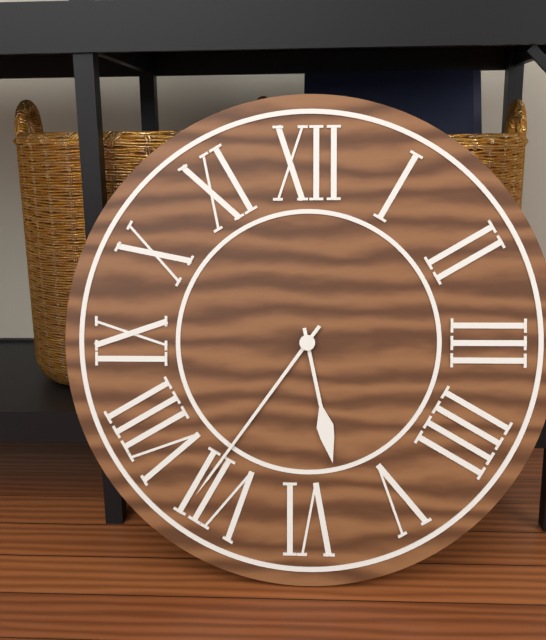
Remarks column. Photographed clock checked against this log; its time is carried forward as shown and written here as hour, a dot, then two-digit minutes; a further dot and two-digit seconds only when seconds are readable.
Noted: 5.36
